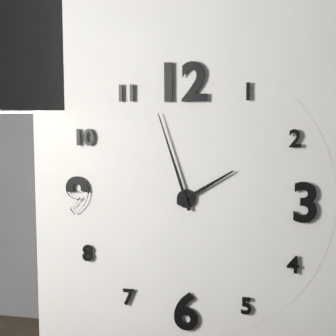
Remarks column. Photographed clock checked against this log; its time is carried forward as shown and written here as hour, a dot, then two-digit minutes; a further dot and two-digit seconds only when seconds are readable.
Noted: 1.57
